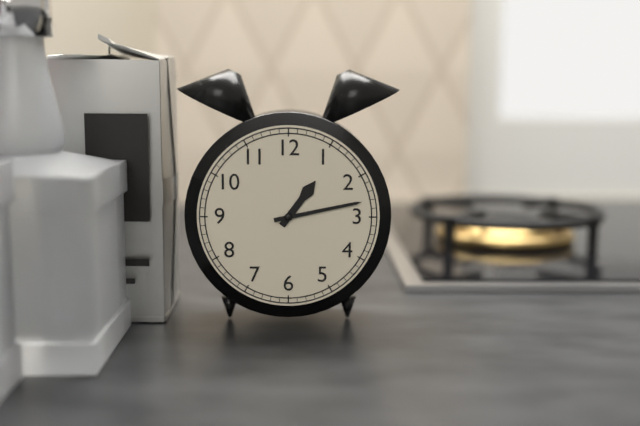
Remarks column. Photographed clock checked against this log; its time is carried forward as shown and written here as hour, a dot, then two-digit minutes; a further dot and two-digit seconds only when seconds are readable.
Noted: 1.13
